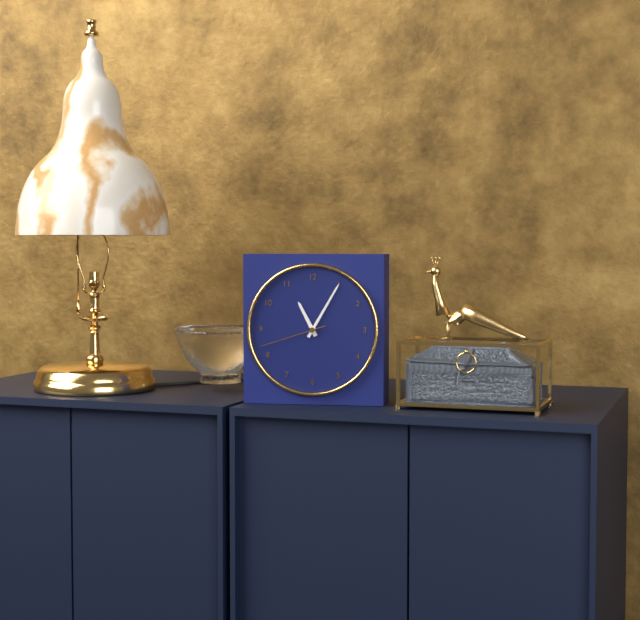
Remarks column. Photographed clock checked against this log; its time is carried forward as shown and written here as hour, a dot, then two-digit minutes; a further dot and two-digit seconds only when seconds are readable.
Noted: 11.05.42
